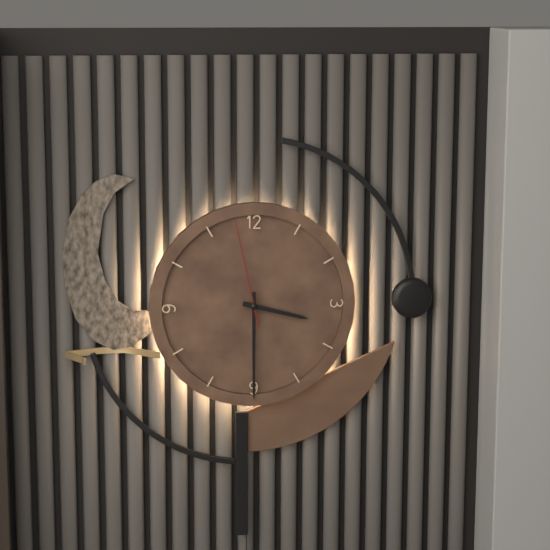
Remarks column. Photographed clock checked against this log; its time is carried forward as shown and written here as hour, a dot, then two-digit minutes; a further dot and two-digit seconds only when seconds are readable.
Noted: 3.30.58
